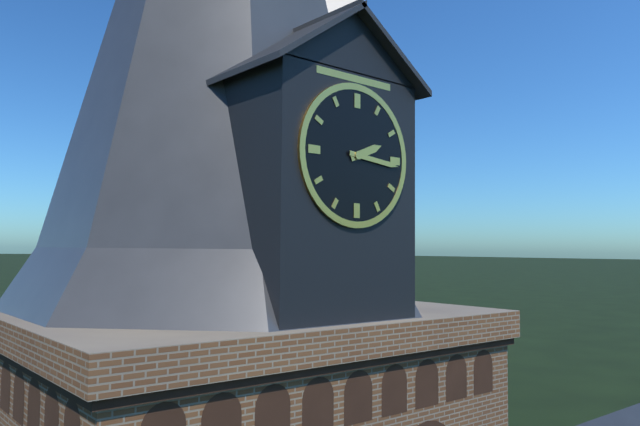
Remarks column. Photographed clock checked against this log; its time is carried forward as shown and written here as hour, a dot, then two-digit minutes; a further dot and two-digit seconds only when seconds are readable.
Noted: 2.16
